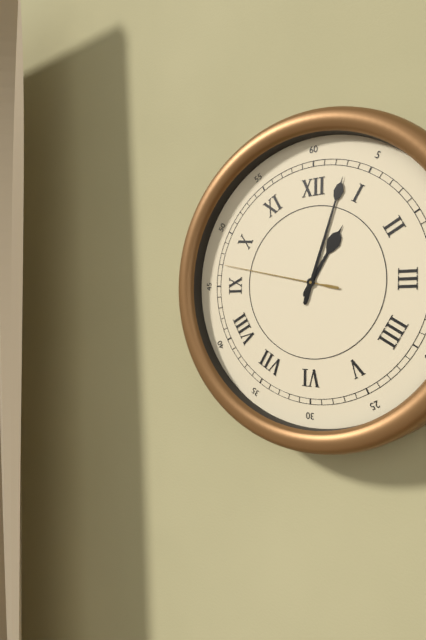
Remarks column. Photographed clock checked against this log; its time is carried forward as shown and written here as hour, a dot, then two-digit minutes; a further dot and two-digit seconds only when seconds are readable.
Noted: 1.03.47
